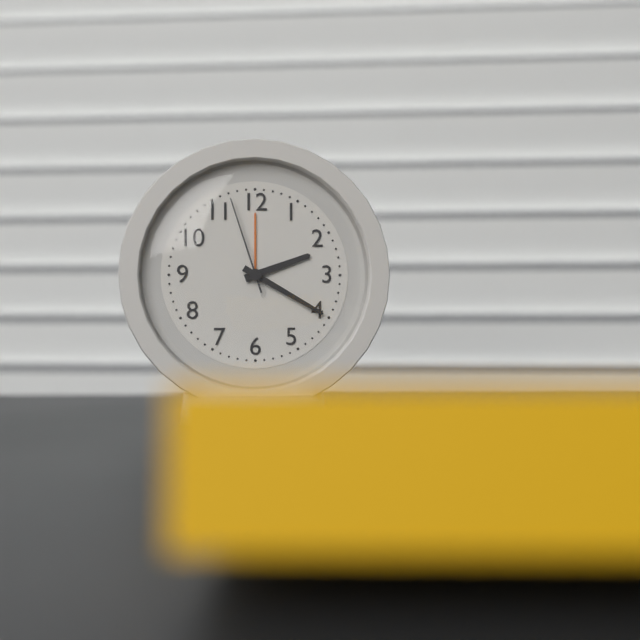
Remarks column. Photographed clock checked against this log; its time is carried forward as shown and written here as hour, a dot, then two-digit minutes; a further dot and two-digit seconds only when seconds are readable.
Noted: 2.20.57
